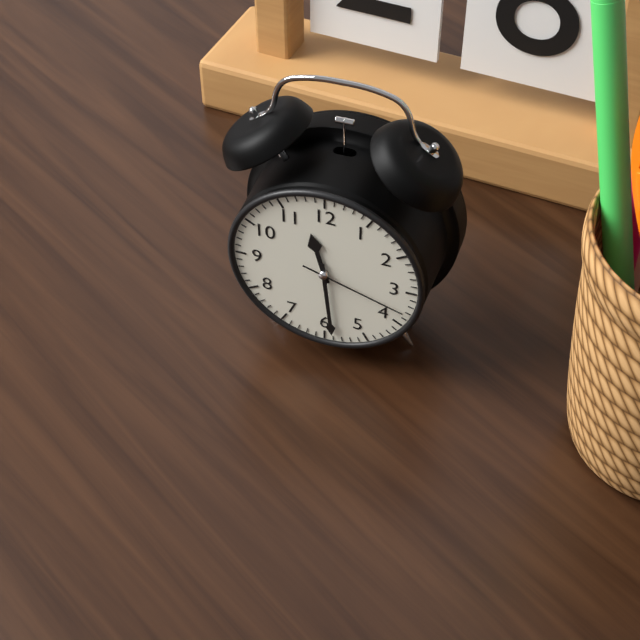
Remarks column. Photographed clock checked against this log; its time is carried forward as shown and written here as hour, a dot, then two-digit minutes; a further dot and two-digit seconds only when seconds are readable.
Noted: 11.29.18
